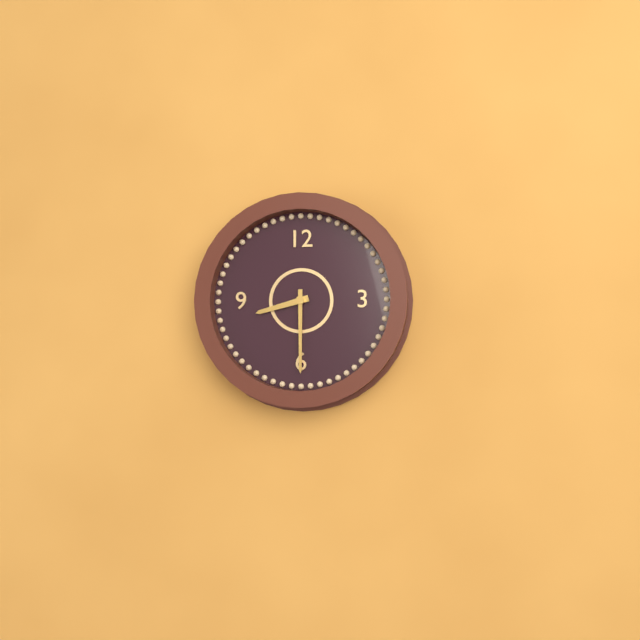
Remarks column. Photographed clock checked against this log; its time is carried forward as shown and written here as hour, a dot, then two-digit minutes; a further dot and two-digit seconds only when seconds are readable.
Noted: 8.30
